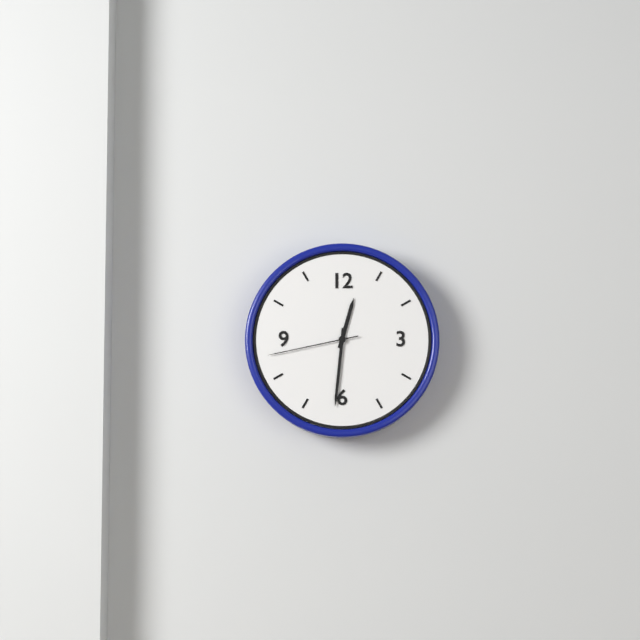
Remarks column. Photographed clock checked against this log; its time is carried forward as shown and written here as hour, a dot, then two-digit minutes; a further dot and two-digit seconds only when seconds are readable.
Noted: 12.31.43
